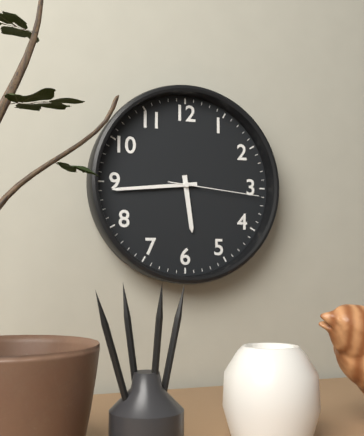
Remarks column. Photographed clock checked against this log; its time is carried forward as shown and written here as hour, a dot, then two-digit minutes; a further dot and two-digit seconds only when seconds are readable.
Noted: 5.44.16
